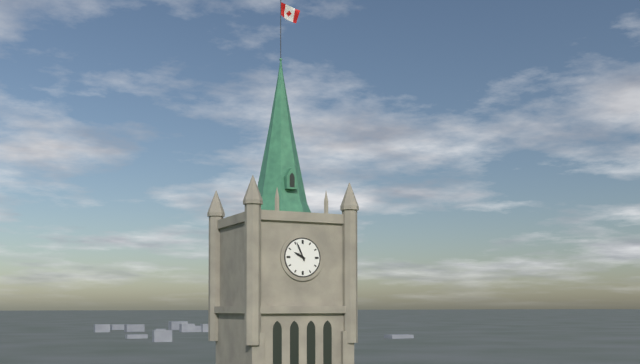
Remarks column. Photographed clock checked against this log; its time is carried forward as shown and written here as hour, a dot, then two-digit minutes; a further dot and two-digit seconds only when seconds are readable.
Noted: 9.56
